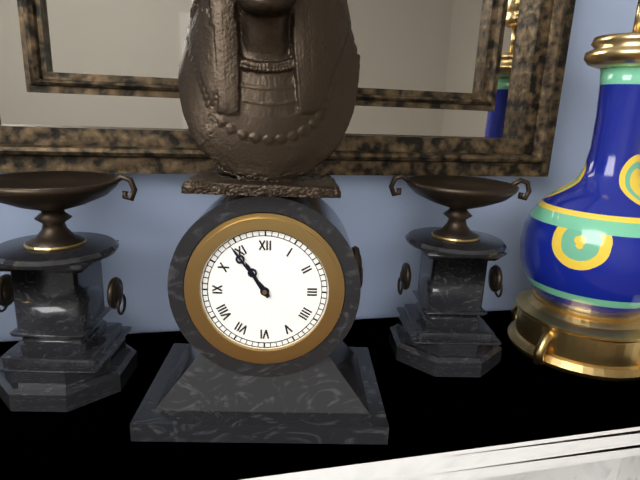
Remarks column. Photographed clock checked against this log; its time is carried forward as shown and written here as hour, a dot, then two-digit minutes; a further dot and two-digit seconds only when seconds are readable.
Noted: 10.54
